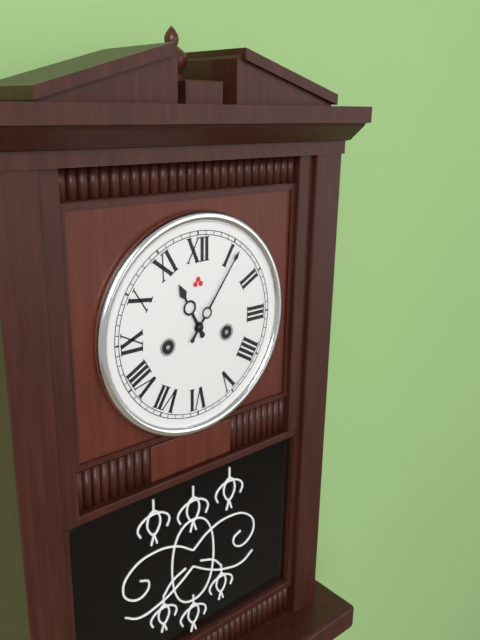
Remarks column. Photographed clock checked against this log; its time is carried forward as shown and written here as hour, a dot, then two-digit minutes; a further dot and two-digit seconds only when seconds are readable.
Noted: 11.06
